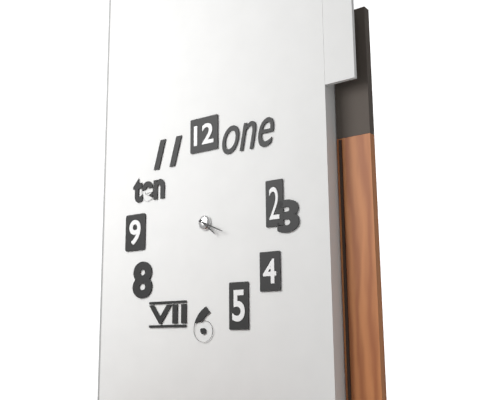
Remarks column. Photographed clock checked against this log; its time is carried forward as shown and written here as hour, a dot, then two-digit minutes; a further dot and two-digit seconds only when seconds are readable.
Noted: 4.19
